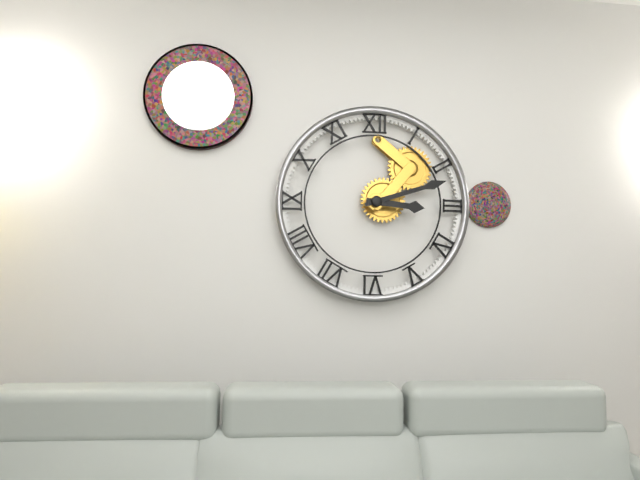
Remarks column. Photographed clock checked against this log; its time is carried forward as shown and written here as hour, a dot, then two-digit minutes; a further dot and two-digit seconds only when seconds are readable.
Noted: 3.12
